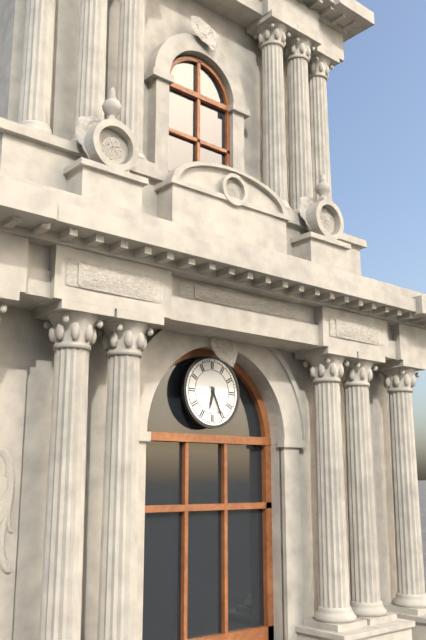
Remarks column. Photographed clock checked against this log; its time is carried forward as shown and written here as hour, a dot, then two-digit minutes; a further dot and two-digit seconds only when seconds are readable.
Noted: 6.26
